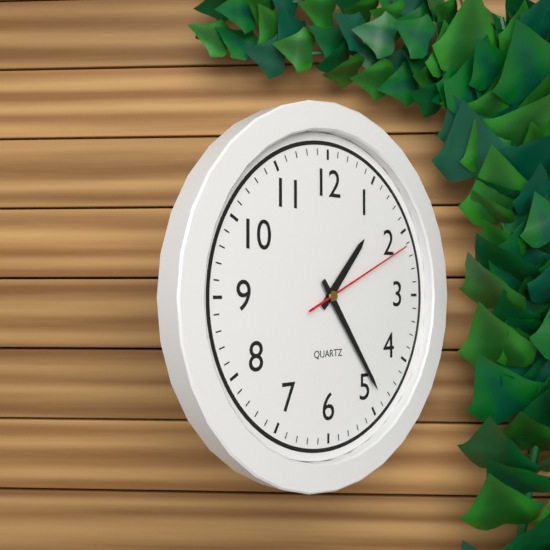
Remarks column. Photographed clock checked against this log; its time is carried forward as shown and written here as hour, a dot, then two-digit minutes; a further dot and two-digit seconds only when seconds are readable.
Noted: 1.24.11
